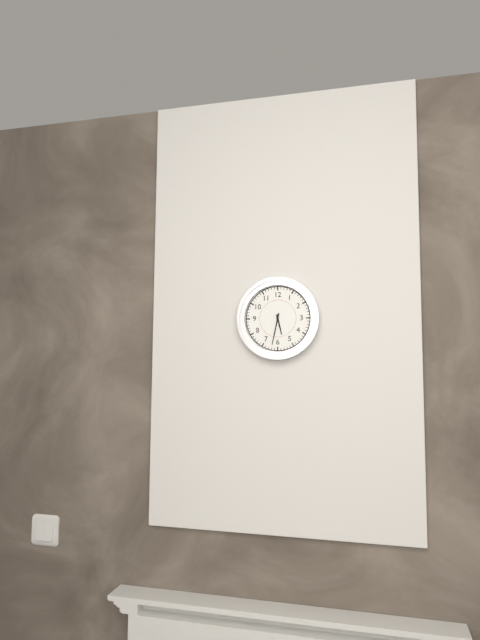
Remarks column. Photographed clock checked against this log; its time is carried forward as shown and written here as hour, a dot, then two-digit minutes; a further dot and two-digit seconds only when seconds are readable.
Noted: 5.32
